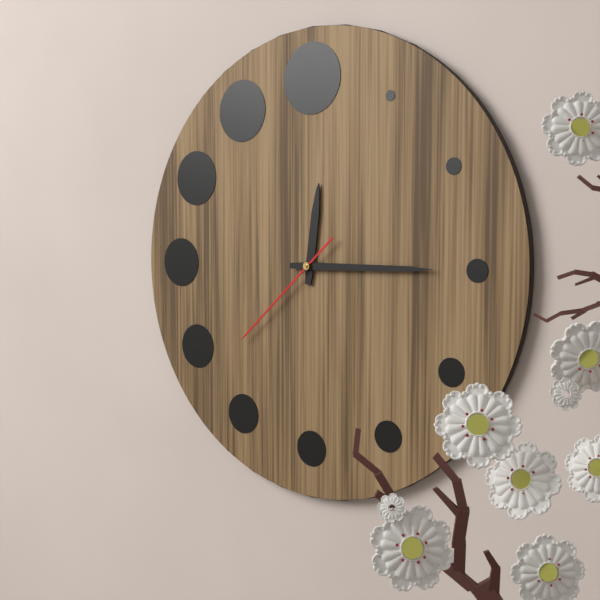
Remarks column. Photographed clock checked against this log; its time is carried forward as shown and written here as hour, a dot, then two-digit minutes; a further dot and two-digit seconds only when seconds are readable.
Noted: 12.15.38
